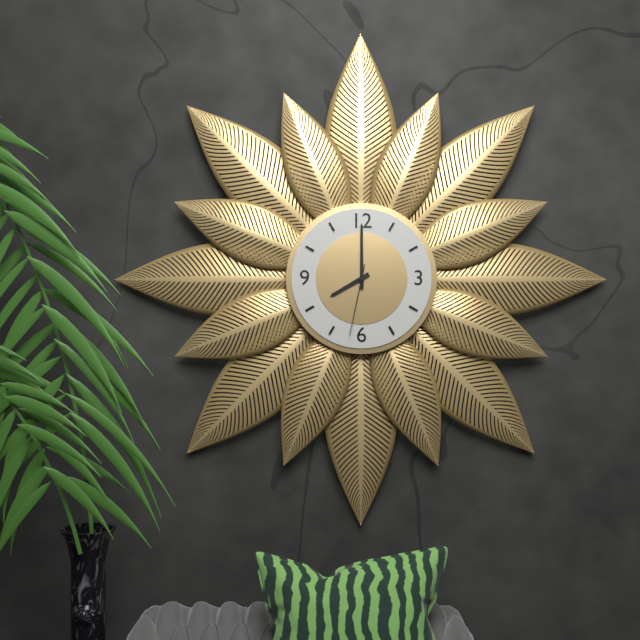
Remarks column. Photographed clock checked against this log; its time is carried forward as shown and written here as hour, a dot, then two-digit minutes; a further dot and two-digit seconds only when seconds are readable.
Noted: 8.00.32
